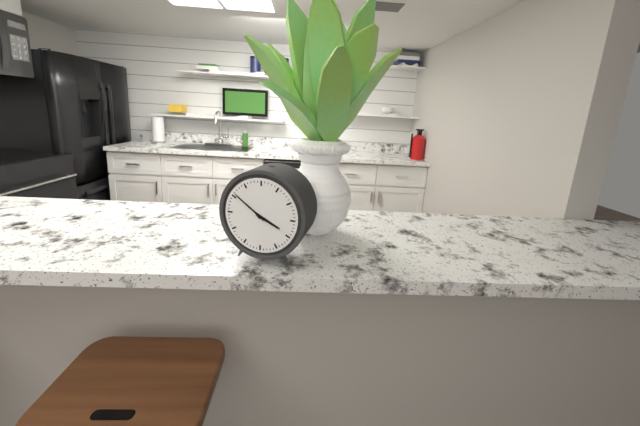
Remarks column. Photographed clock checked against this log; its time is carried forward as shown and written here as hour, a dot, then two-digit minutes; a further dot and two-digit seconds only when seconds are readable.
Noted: 3.51
